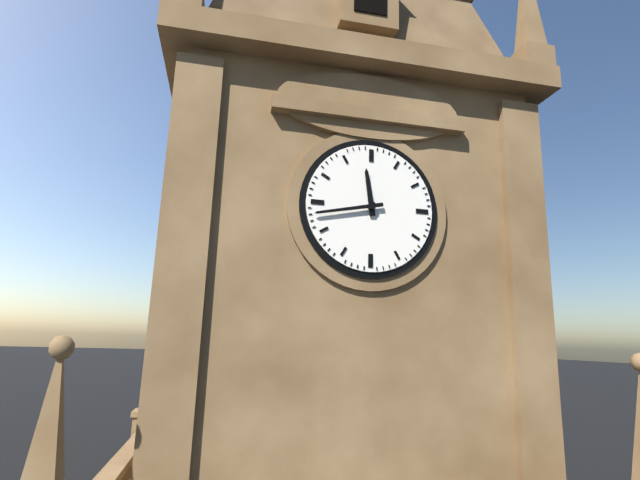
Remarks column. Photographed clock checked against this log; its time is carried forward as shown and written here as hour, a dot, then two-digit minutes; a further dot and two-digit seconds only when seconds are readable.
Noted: 11.43
